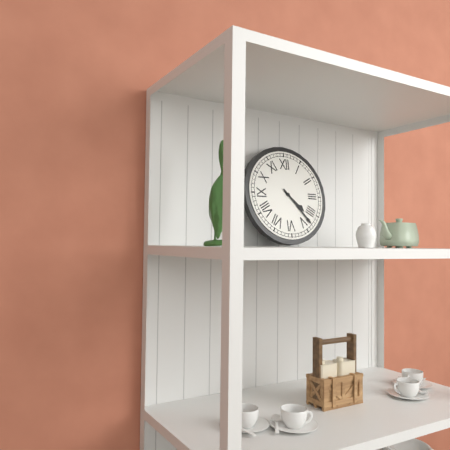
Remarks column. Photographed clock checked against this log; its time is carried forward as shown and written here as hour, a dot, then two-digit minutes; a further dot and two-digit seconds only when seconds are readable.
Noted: 4.23
